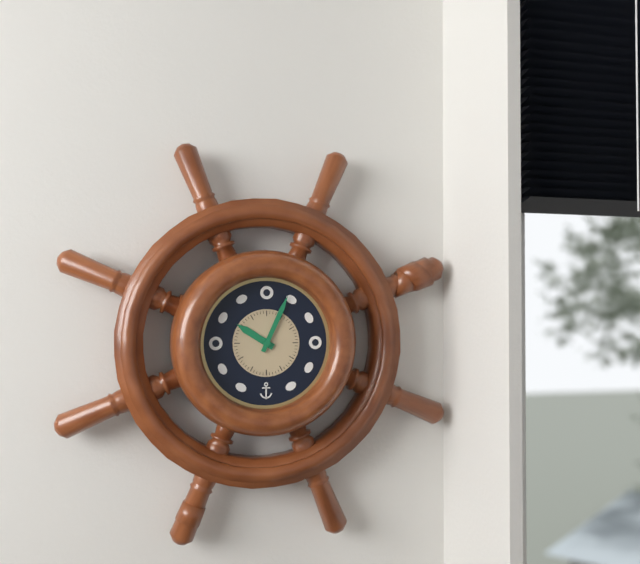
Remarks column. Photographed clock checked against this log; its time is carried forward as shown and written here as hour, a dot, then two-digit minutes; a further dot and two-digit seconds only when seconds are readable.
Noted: 10.04
